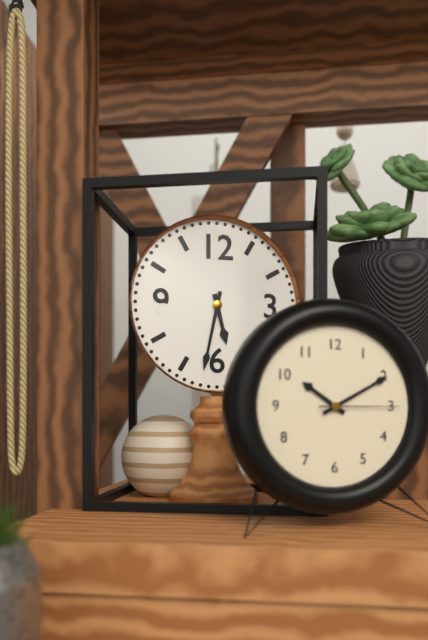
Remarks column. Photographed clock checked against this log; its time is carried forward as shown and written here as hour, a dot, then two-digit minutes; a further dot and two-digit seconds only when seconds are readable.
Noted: 5.32
